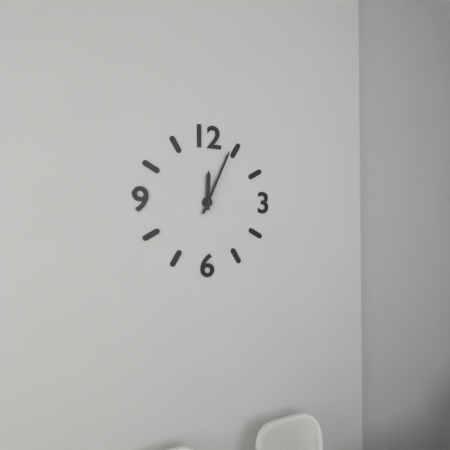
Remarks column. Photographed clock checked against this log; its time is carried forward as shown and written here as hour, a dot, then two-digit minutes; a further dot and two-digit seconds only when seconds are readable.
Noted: 12.04
